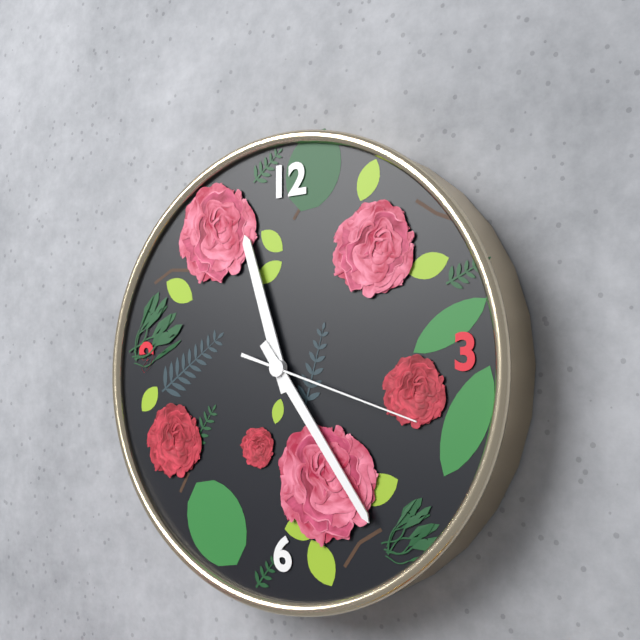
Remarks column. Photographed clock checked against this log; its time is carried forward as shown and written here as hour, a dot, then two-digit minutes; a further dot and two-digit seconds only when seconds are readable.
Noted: 11.24.18
